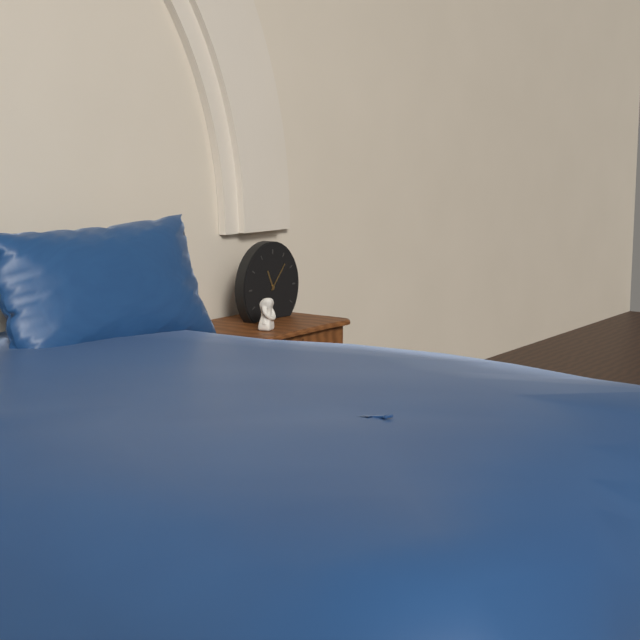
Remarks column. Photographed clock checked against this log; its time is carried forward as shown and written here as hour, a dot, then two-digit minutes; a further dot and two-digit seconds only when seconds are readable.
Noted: 11.07
